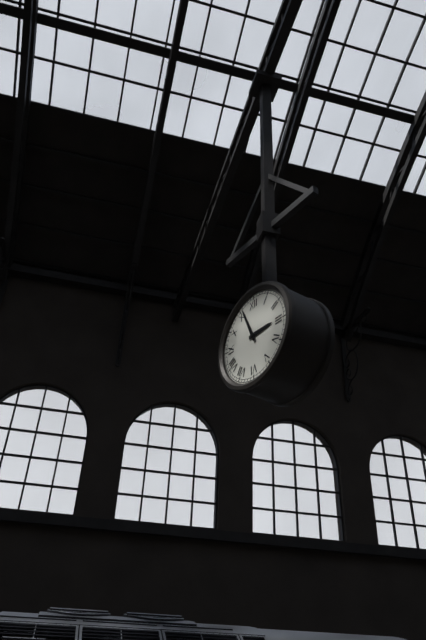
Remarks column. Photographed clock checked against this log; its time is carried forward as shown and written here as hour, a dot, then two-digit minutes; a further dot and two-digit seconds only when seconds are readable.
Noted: 2.56
